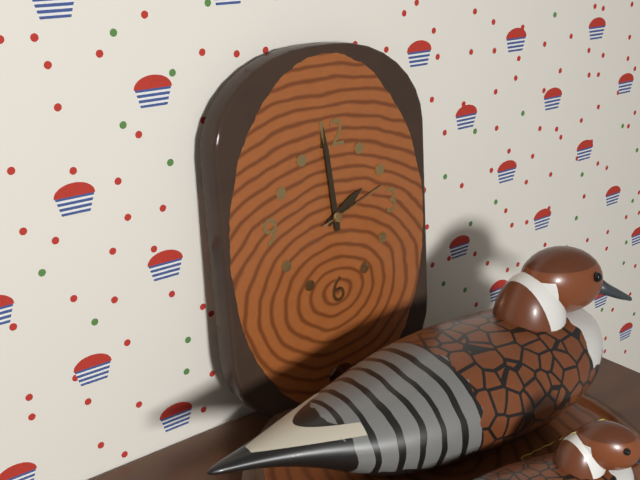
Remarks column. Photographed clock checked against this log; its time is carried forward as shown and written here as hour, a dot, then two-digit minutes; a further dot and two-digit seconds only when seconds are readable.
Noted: 1.59.12
